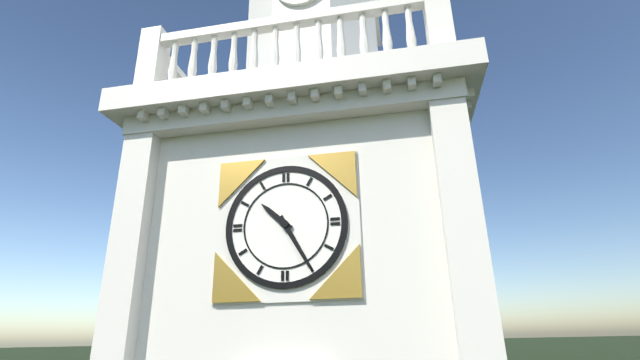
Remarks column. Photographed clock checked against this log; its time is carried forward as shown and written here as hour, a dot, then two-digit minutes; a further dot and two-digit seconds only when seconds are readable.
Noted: 10.25
